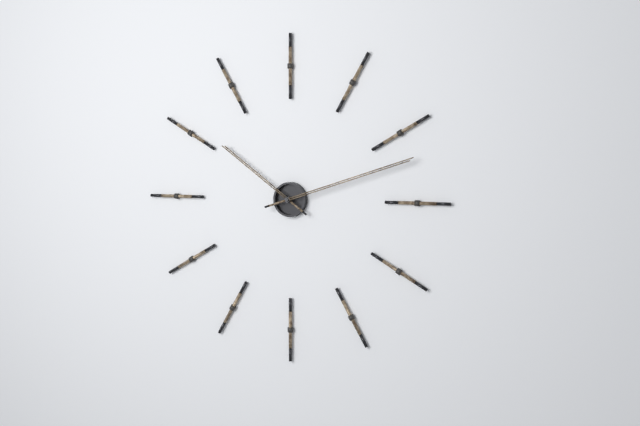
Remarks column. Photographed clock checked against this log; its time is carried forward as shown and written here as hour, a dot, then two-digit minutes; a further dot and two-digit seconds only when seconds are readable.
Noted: 10.12
